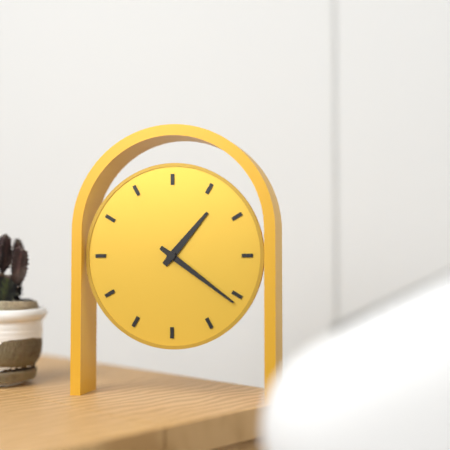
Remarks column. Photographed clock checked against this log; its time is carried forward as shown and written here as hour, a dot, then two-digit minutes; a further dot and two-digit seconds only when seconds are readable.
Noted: 1.21
